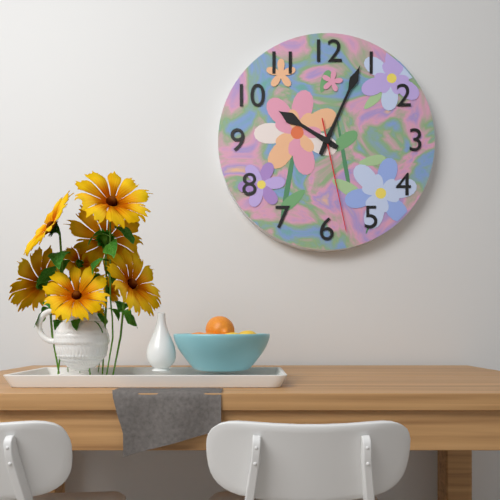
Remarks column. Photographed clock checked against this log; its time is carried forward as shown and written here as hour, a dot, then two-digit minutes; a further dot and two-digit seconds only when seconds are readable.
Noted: 10.04.28
